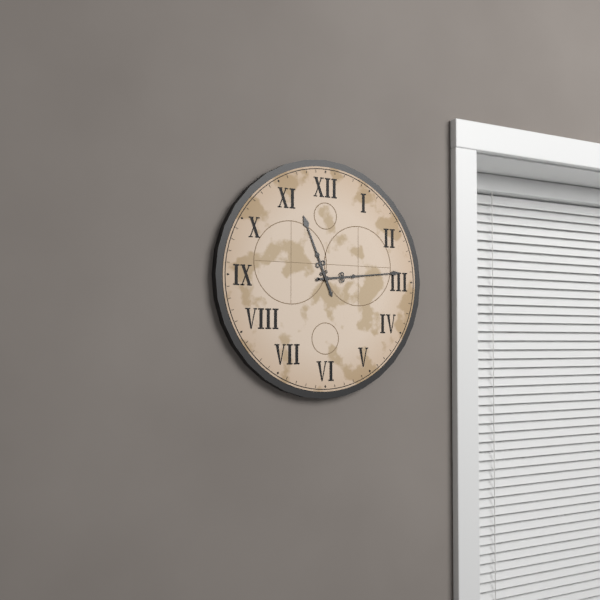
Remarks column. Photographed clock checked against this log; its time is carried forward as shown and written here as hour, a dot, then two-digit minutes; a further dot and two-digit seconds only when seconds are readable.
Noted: 11.14
